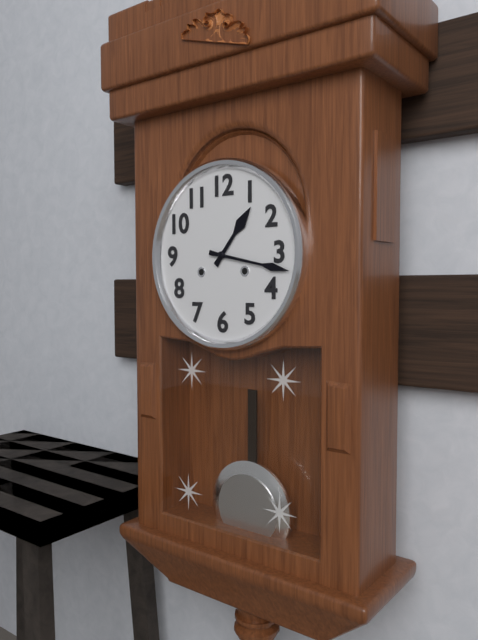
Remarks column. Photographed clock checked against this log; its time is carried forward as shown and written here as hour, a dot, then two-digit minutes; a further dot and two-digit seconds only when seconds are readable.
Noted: 1.17
